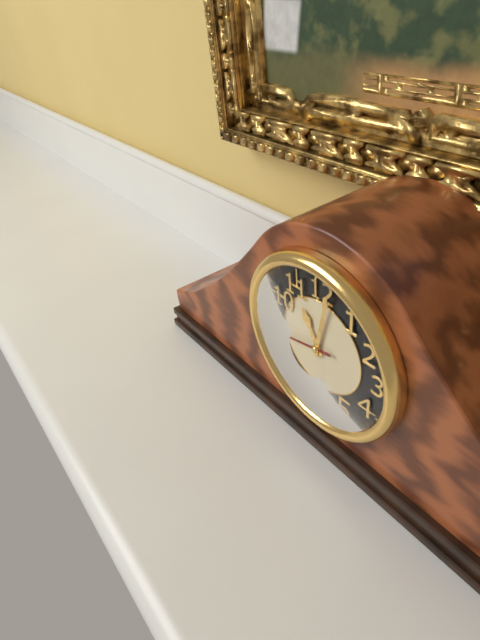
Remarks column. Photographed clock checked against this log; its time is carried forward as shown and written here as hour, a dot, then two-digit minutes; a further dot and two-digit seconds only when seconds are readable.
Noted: 11.02.43
